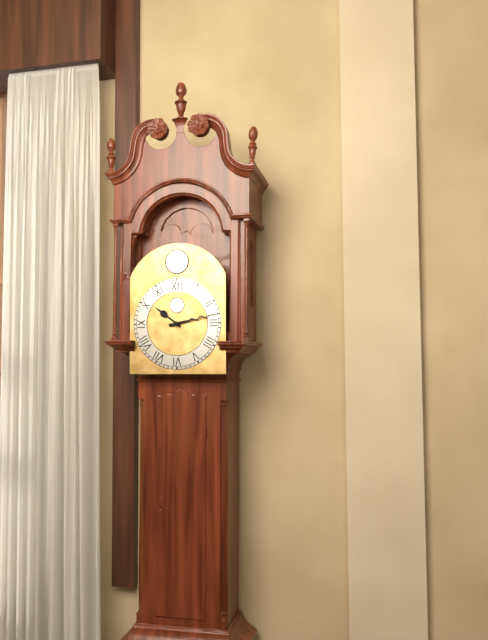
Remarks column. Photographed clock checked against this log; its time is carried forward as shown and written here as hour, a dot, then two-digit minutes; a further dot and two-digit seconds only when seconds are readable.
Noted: 10.13
